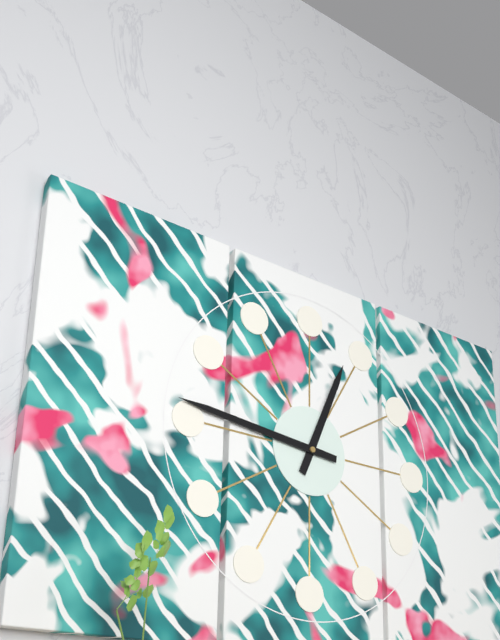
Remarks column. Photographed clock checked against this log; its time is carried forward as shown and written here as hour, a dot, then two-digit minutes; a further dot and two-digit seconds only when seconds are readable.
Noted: 12.46
